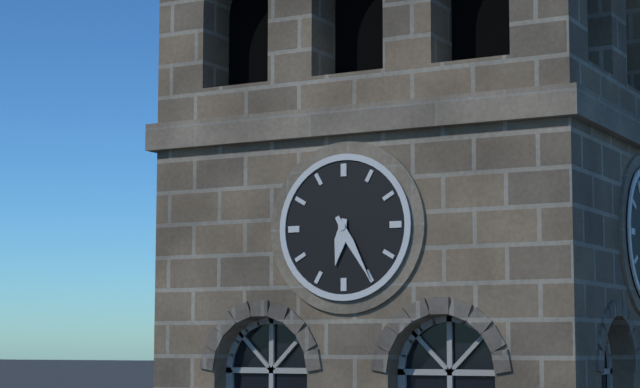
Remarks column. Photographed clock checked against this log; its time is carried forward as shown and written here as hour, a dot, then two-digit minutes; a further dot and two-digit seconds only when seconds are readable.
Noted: 6.25
